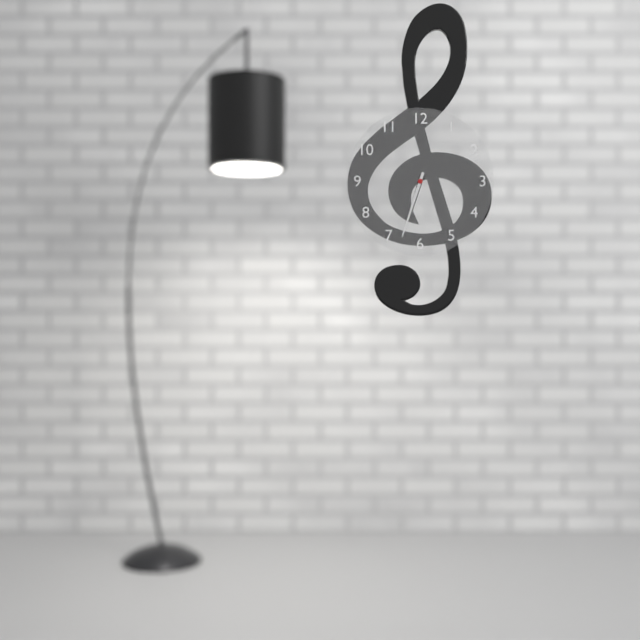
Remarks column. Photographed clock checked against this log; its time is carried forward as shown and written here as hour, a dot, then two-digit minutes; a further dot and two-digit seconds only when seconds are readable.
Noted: 6.33
